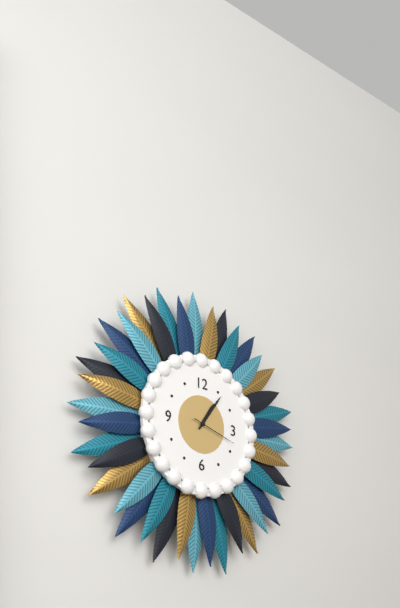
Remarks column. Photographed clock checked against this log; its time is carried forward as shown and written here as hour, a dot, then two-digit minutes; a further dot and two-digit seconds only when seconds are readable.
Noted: 1.06
